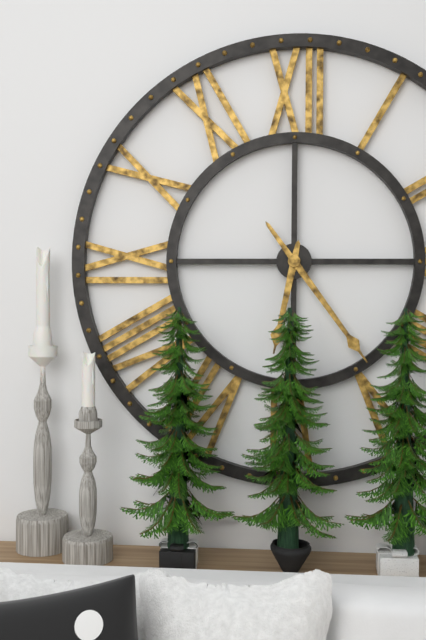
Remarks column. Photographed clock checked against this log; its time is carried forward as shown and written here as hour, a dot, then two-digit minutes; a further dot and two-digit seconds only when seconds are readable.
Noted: 6.24
